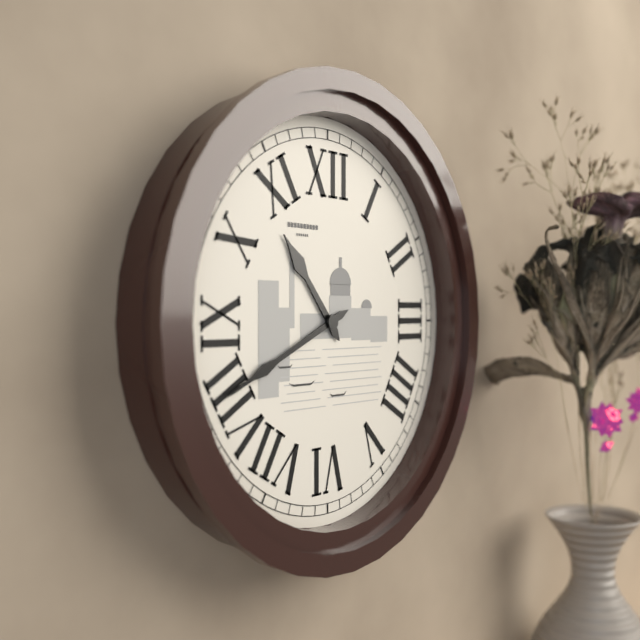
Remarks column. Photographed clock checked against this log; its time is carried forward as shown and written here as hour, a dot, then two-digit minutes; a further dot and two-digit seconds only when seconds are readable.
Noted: 10.41
